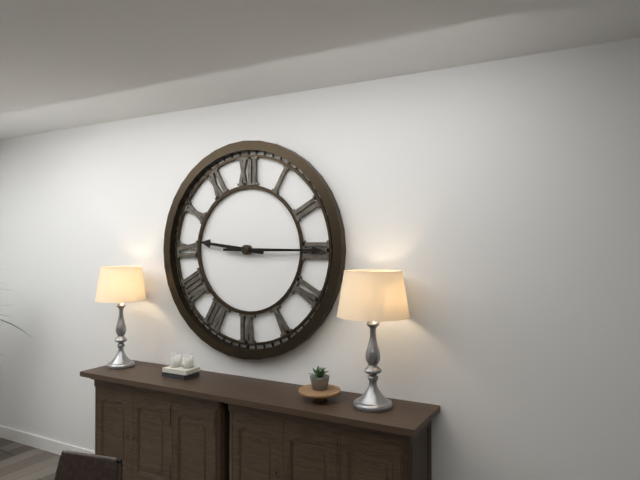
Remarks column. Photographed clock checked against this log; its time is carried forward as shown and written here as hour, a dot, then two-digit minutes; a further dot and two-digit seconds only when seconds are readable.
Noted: 9.15
